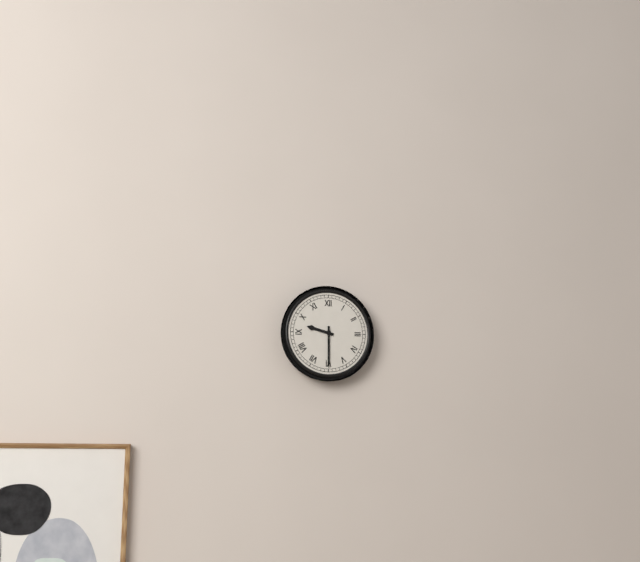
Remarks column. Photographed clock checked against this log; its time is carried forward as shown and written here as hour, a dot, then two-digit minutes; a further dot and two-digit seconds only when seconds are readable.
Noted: 9.30
